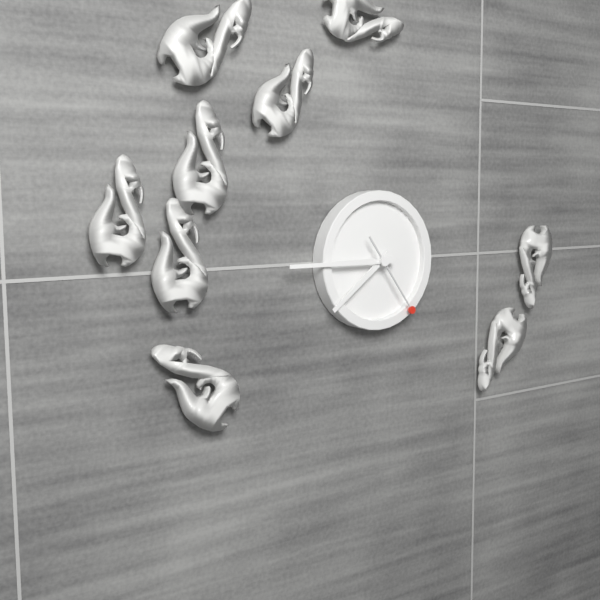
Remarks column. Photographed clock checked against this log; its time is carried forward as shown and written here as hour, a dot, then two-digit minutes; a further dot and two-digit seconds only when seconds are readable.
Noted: 7.45.24
